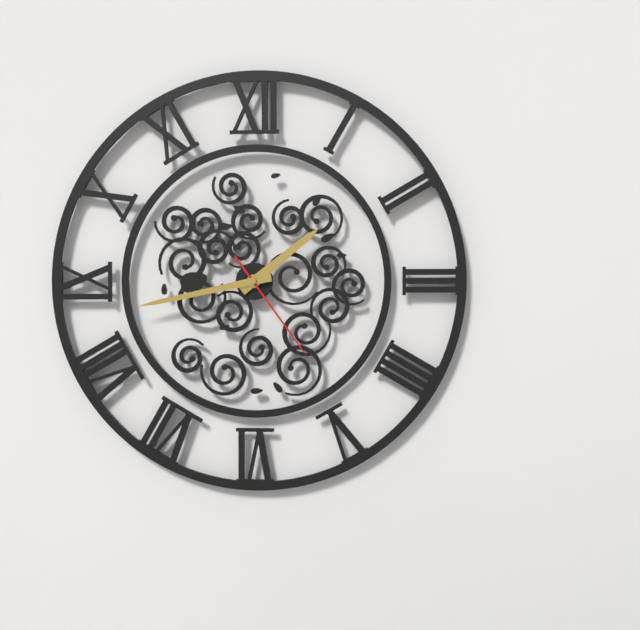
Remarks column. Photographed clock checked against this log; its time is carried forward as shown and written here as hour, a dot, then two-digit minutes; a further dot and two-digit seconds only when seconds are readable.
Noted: 1.43.24
